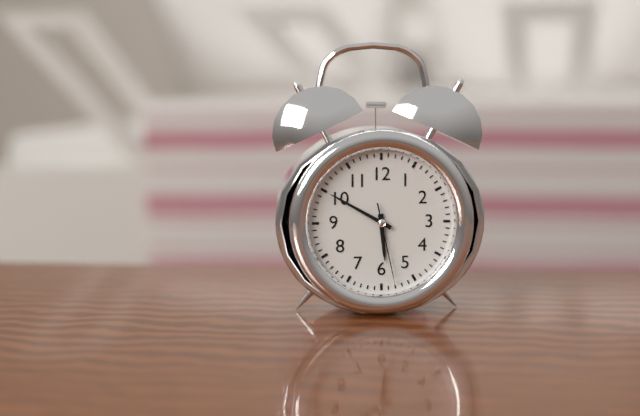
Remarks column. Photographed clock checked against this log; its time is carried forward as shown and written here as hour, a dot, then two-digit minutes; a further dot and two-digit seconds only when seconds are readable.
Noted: 5.50.28
